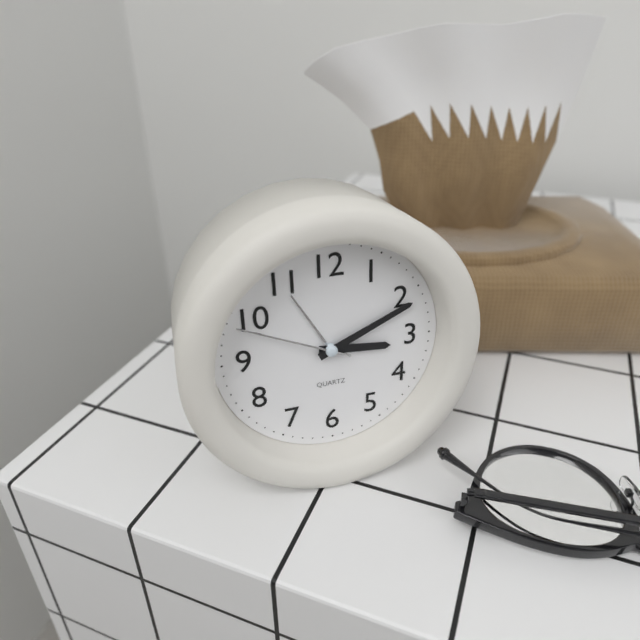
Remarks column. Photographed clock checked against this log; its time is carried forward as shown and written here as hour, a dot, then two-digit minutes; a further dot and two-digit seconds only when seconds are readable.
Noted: 3.11.49
